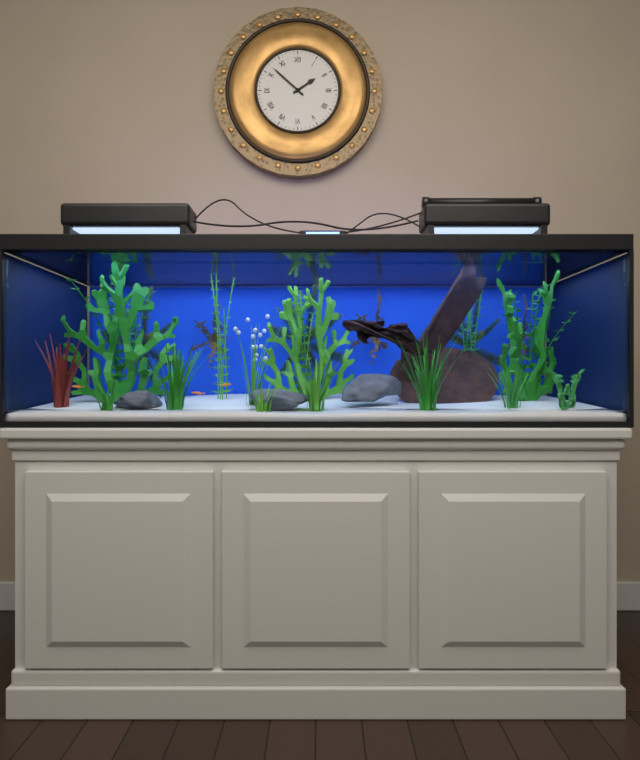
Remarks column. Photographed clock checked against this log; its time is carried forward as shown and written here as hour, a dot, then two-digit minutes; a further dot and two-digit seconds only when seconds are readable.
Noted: 1.52
